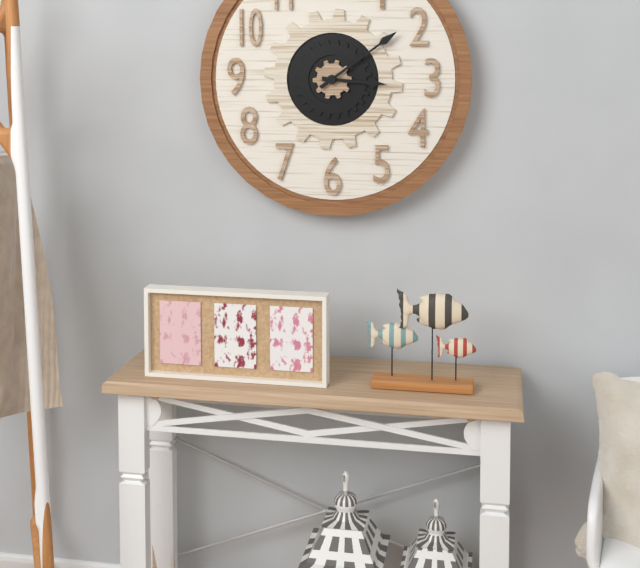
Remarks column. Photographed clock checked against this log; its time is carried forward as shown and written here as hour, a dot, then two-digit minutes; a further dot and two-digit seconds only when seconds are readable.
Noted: 3.09
